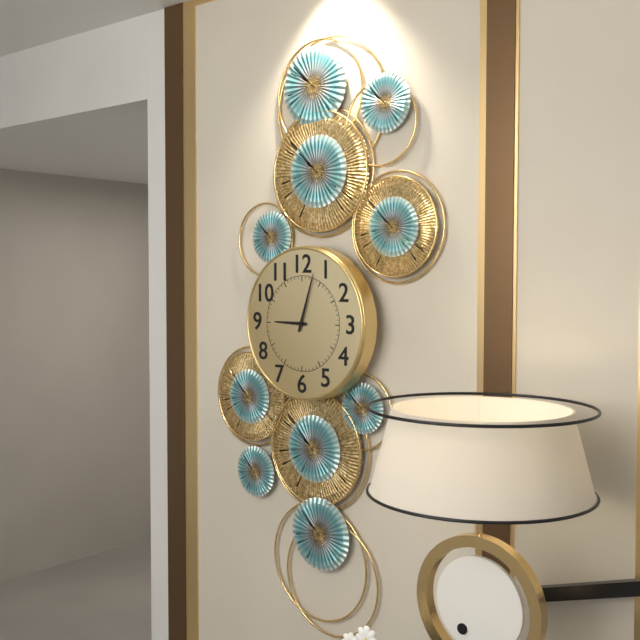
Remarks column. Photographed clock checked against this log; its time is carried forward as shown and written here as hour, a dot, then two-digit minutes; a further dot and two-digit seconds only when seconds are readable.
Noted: 9.03
